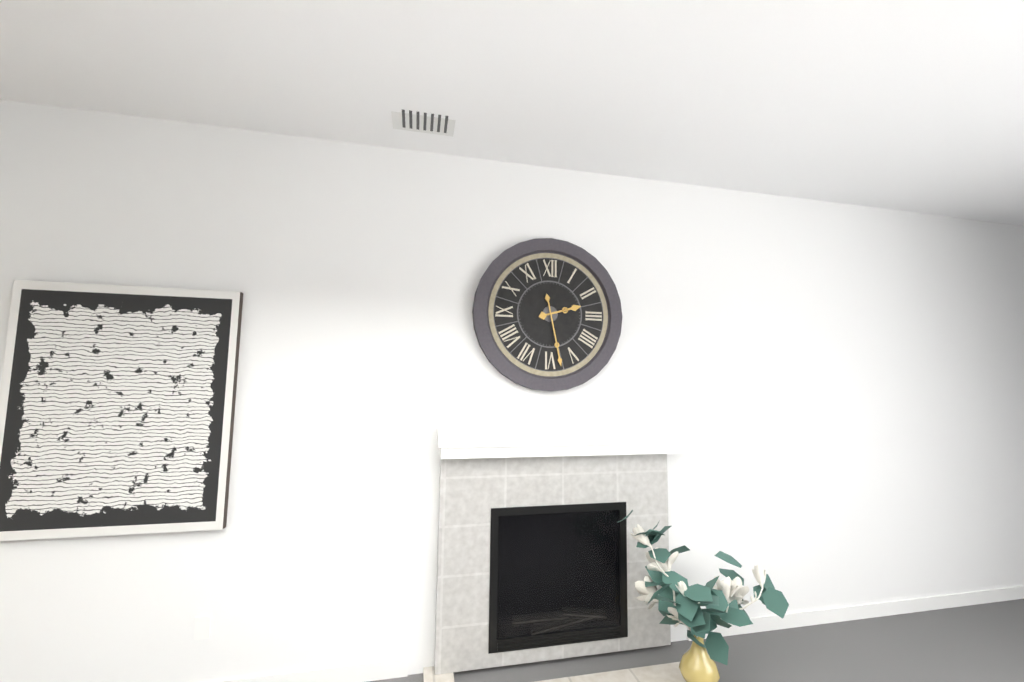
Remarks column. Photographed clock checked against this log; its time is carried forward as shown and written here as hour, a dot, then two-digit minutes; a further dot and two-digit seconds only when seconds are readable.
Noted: 2.28
